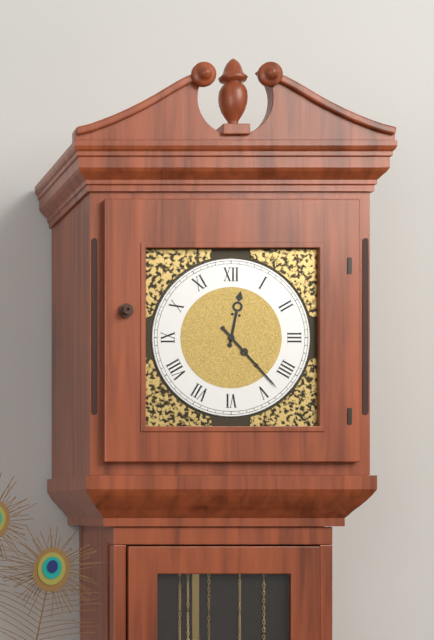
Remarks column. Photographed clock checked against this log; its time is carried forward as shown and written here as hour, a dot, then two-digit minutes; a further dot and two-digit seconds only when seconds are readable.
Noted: 12.23
